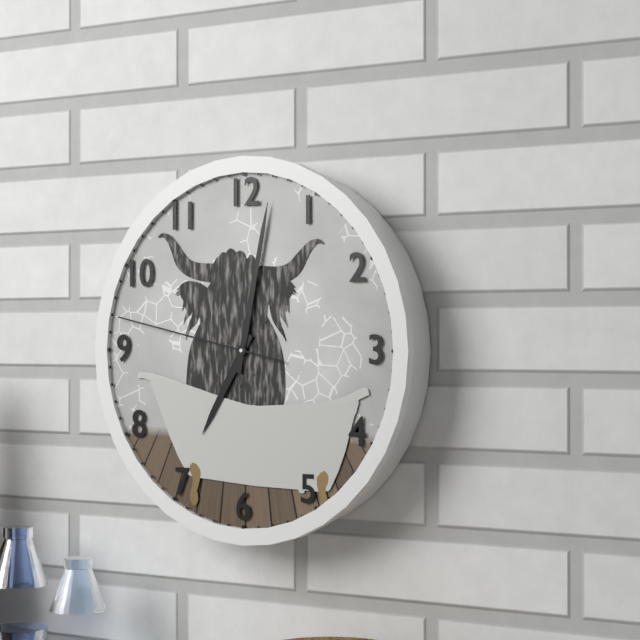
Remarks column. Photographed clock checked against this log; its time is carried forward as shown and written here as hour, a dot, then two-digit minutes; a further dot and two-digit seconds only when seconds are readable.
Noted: 7.02.47
